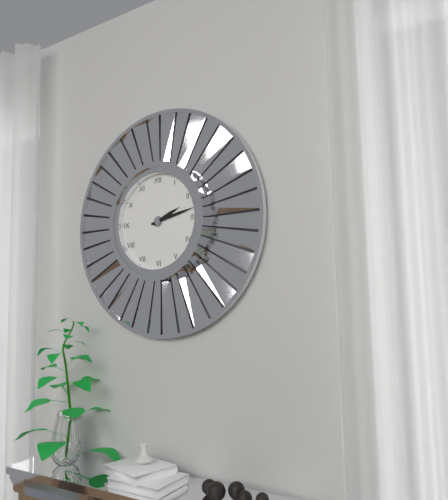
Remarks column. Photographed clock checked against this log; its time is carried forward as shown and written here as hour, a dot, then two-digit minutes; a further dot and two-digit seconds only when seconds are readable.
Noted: 2.13
